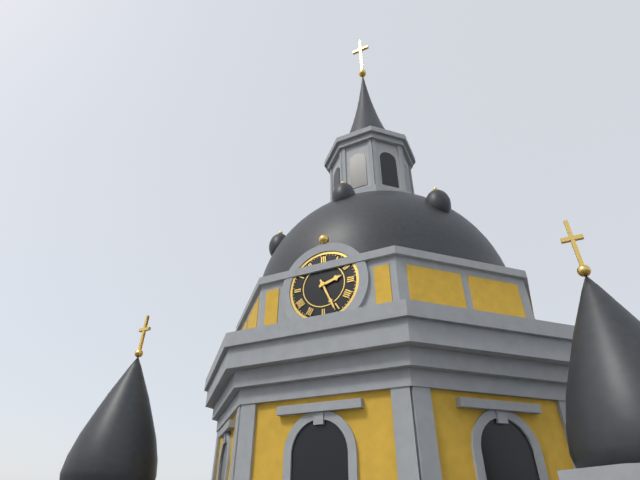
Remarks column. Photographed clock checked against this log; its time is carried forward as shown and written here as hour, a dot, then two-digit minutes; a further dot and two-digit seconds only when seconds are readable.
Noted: 2.26
